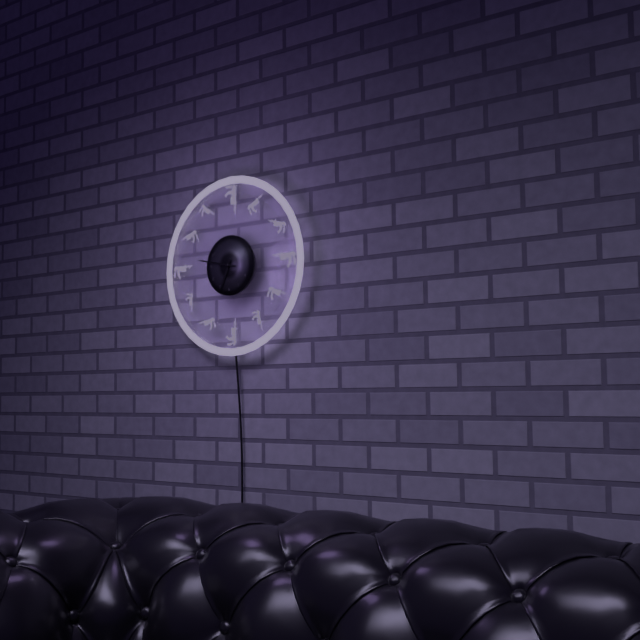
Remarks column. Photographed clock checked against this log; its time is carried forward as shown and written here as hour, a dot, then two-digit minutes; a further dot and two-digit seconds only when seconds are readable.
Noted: 6.47
